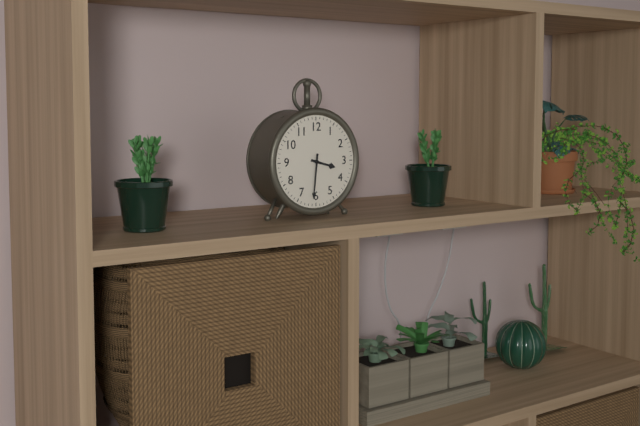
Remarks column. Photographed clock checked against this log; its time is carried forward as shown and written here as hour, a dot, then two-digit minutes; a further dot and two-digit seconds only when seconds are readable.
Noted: 3.31
